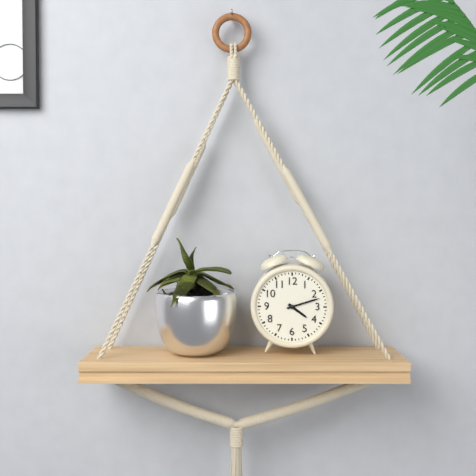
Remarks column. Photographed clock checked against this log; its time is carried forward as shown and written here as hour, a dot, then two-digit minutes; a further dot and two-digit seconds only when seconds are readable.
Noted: 4.12
